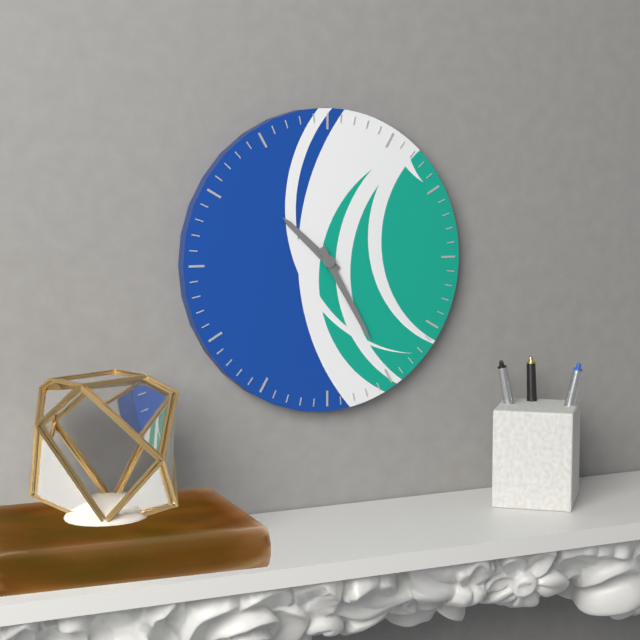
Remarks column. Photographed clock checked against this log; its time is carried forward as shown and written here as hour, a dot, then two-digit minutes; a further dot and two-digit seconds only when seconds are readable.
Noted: 10.25
